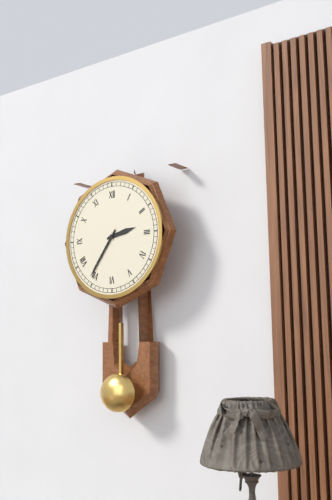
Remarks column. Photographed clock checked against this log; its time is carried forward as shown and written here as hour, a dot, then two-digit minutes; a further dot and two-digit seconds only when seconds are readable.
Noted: 2.36
